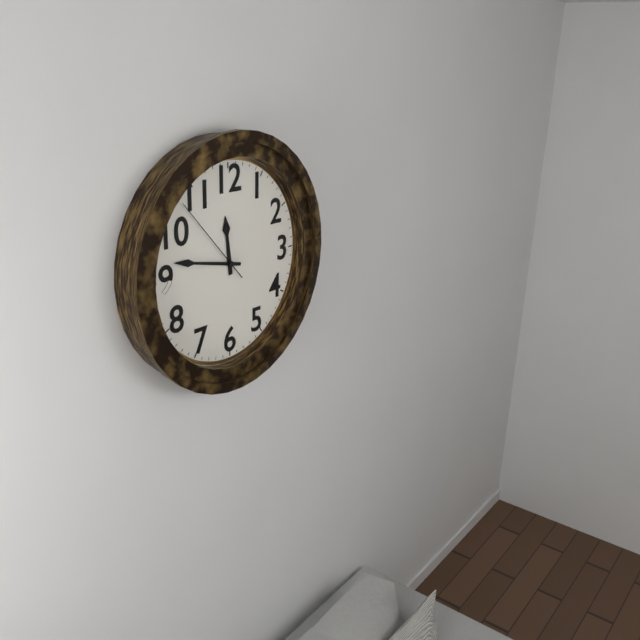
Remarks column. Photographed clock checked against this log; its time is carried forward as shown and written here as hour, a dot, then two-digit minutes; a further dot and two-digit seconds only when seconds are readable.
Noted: 11.47.53
